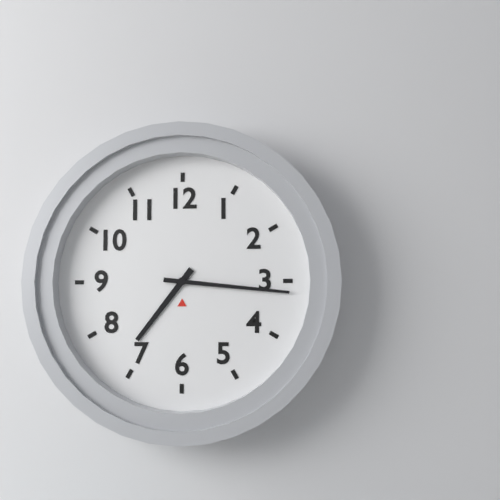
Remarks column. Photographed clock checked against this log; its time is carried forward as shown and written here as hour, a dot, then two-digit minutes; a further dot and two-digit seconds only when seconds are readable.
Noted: 7.16
